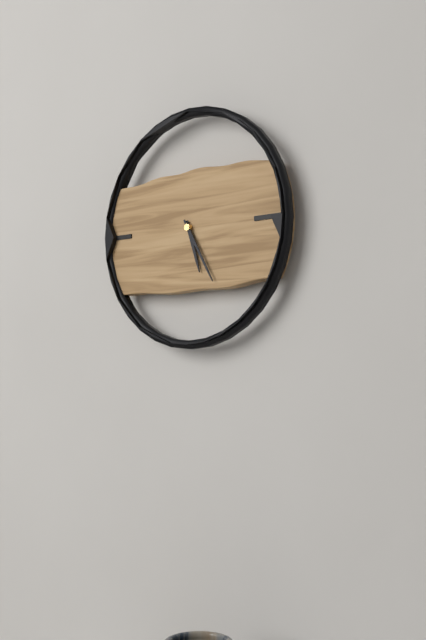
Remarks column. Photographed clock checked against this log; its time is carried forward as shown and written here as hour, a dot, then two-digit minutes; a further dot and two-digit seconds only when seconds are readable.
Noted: 5.25
